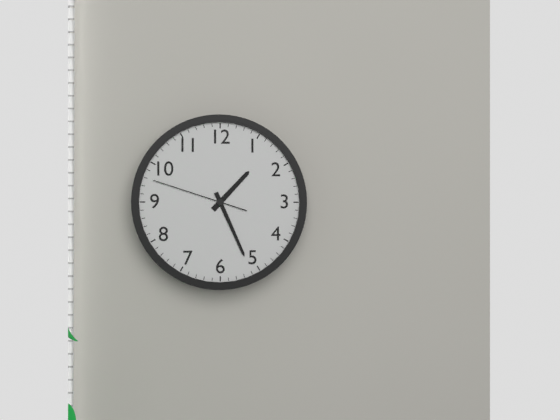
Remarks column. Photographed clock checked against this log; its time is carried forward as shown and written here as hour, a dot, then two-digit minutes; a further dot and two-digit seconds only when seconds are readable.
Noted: 1.26.48
